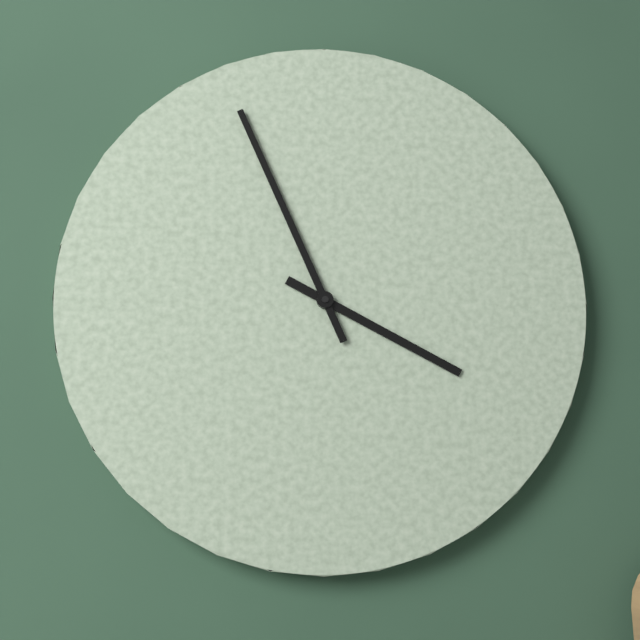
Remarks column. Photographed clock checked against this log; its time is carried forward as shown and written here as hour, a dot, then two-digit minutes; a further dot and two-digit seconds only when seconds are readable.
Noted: 3.56
